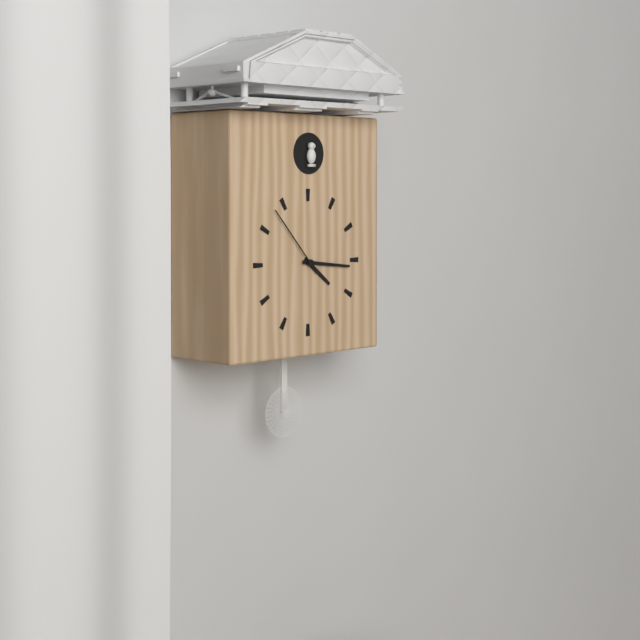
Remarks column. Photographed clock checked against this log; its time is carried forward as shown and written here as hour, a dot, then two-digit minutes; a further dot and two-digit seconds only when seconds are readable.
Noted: 4.16.53
